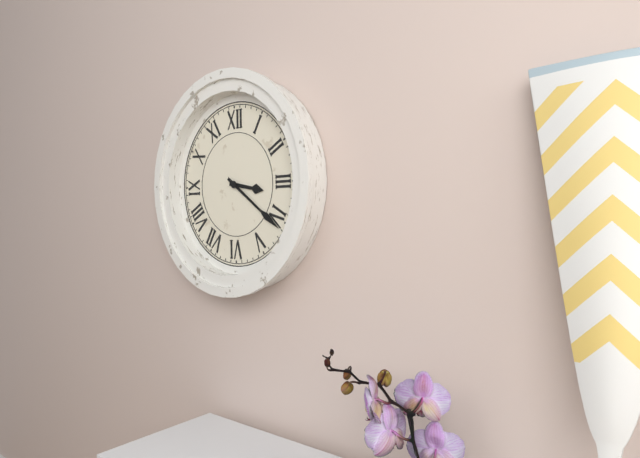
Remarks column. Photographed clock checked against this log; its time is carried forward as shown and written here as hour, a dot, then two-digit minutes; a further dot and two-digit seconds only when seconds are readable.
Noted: 3.21
